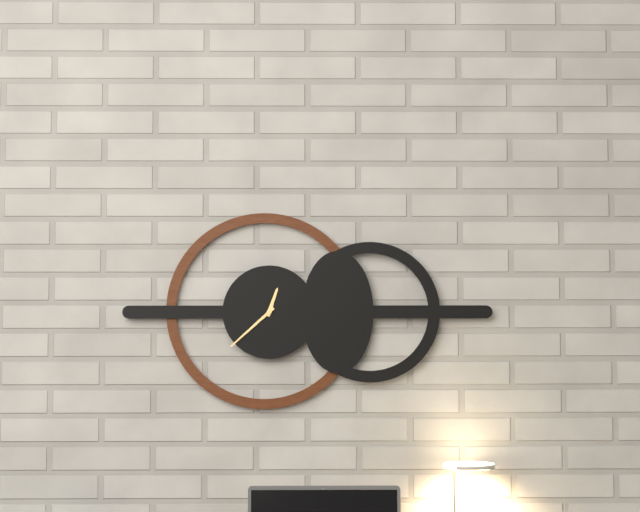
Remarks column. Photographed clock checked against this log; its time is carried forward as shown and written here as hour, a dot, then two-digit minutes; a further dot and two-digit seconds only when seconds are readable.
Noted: 12.38
